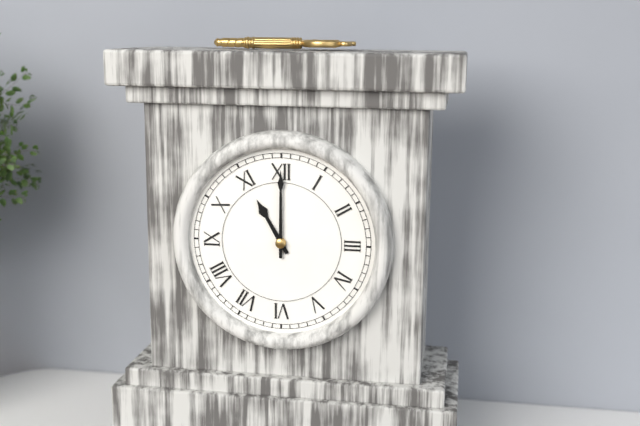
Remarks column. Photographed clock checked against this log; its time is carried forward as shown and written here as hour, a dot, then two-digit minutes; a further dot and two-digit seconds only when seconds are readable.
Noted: 11.00
